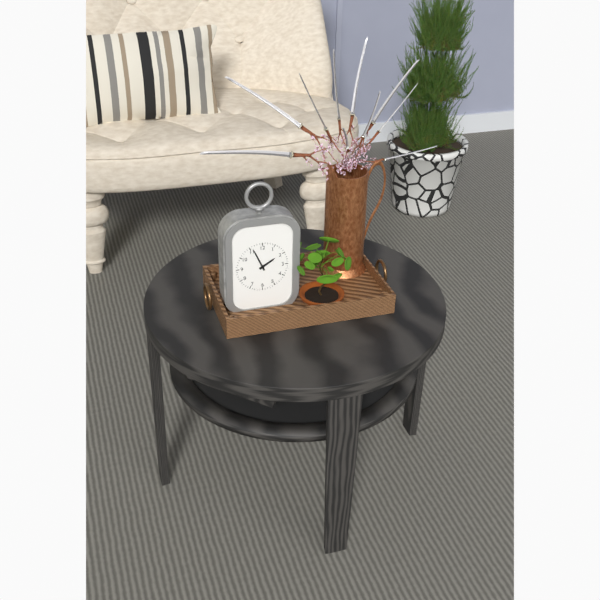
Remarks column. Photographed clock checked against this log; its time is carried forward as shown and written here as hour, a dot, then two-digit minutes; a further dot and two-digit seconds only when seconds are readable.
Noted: 1.56
